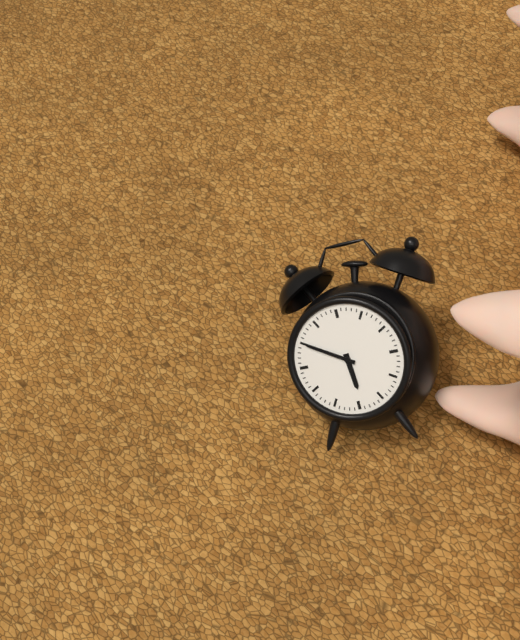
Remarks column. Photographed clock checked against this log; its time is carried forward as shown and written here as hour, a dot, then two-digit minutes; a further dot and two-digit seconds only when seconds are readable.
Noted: 5.50
